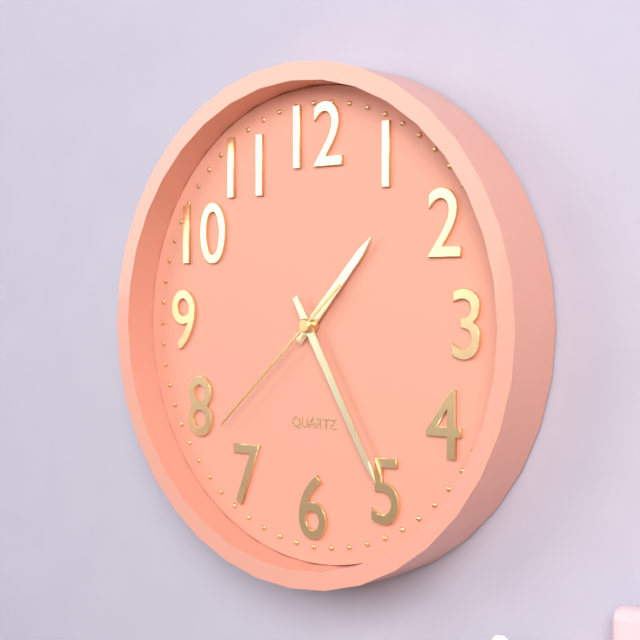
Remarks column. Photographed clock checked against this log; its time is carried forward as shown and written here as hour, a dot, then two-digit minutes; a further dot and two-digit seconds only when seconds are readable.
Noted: 1.25.38
